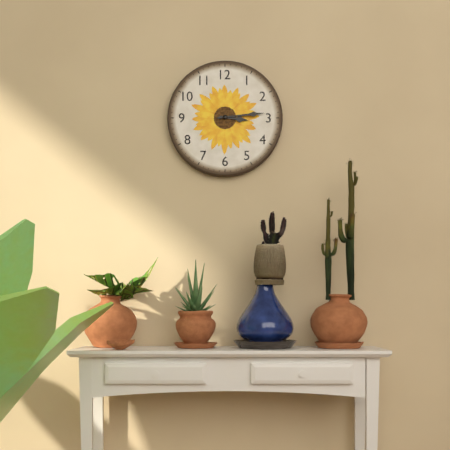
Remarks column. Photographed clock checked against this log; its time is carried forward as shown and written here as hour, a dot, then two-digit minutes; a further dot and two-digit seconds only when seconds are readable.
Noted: 3.14
